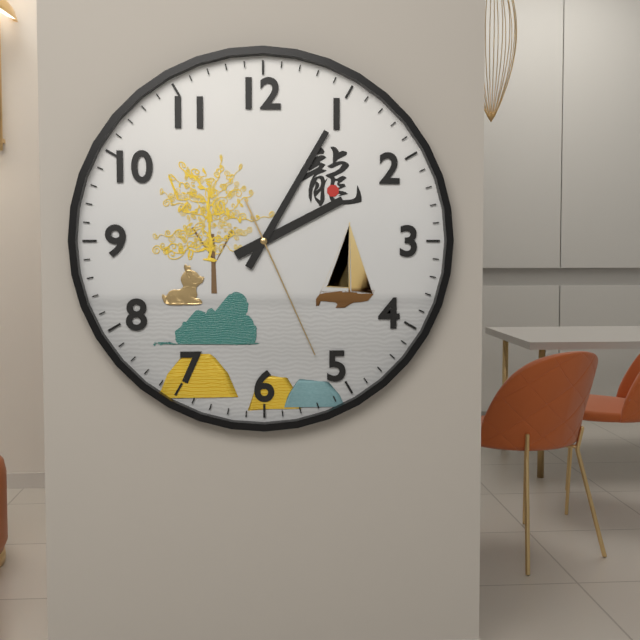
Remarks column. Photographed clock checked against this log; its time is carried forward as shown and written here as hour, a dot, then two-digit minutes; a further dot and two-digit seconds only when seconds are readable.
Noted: 2.05.26
